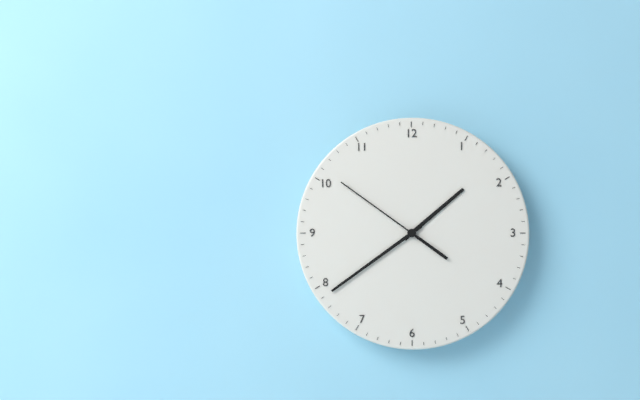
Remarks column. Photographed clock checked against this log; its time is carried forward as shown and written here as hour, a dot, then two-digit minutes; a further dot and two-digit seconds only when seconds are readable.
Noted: 1.39.51
